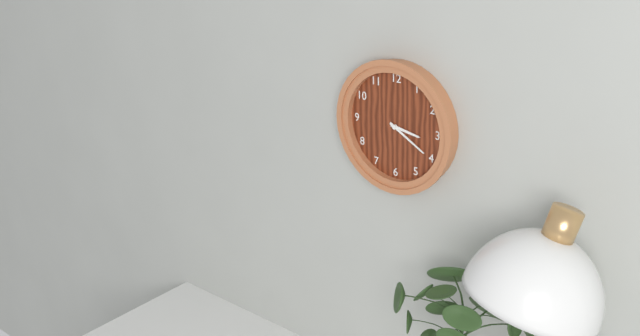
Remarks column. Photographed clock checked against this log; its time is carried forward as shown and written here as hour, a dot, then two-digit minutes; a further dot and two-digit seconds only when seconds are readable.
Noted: 3.20
